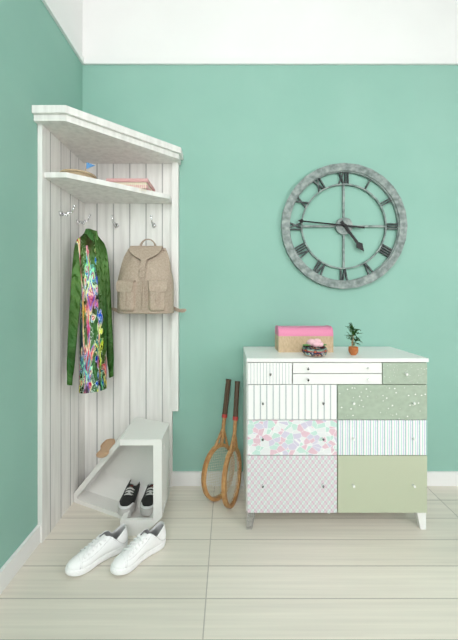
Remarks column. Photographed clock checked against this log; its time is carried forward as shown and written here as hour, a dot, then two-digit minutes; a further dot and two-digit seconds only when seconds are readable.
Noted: 4.46
